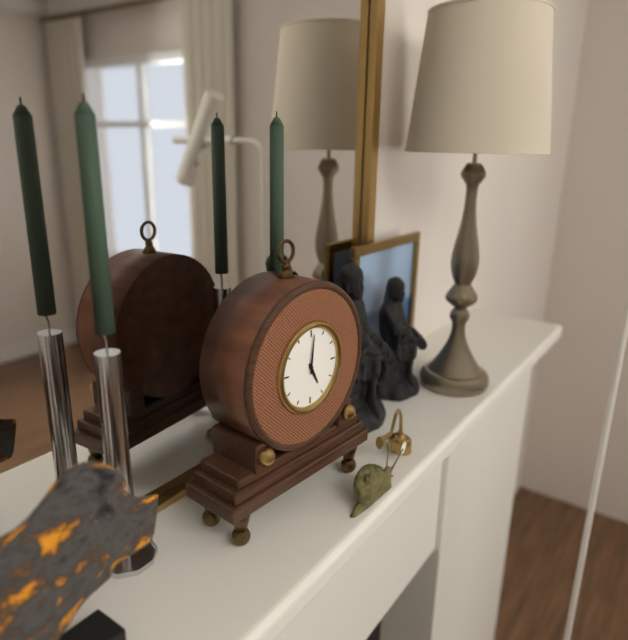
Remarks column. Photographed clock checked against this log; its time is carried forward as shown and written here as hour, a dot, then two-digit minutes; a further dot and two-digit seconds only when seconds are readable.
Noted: 5.01
